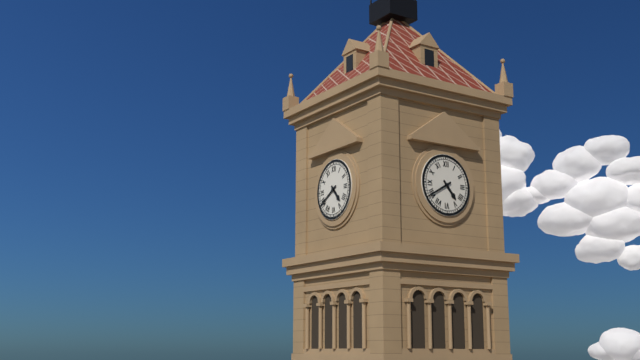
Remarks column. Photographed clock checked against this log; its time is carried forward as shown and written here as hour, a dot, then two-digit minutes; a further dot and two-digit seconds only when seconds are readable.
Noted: 4.40
